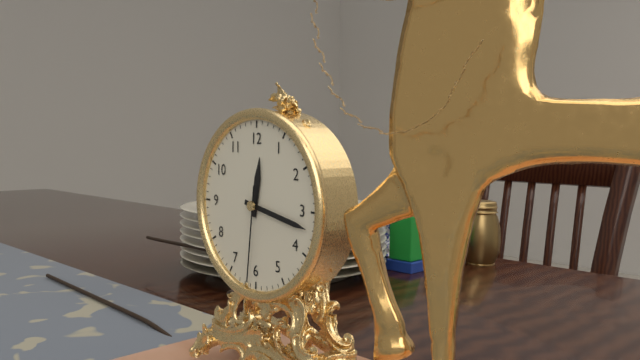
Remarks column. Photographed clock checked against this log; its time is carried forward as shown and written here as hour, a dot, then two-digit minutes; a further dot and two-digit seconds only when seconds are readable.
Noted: 12.17.31
